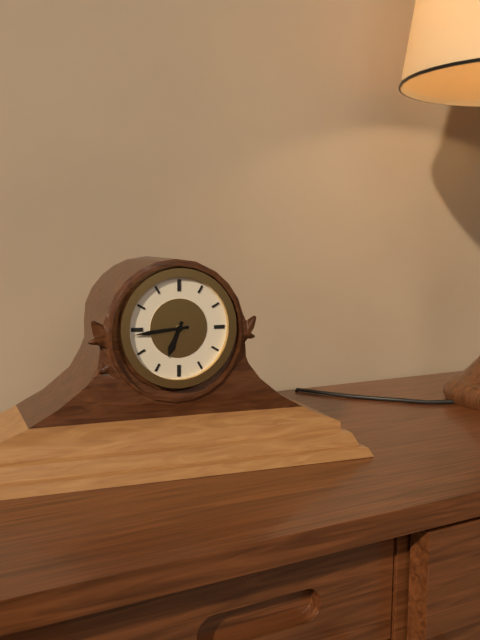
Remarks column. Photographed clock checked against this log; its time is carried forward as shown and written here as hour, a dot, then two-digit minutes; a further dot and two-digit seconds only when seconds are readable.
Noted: 6.44
